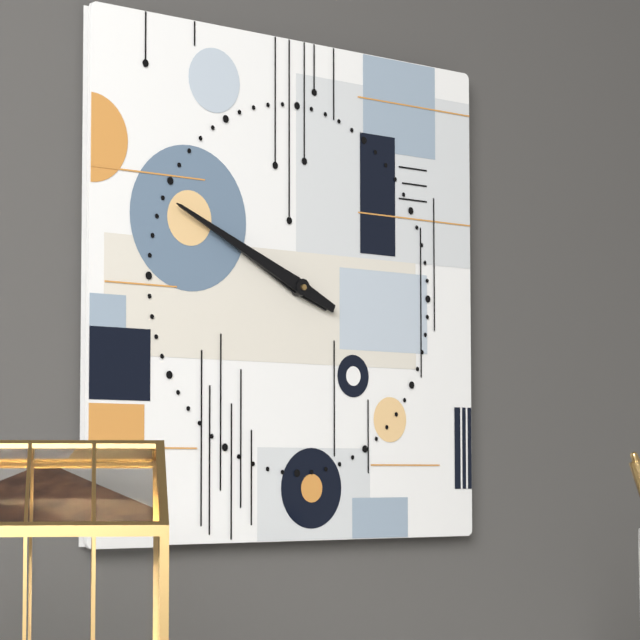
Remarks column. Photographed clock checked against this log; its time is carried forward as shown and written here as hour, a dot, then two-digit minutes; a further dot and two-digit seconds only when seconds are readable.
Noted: 9.49
